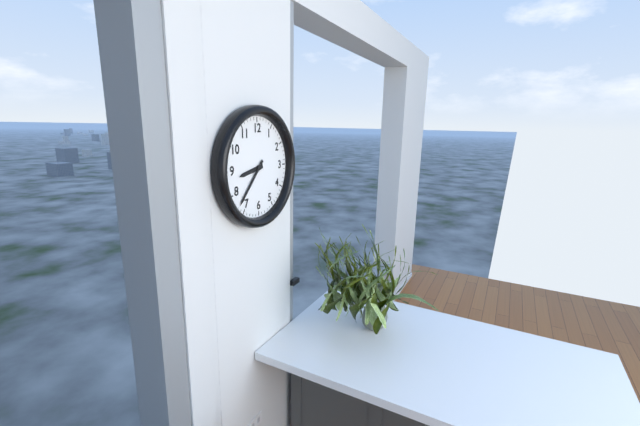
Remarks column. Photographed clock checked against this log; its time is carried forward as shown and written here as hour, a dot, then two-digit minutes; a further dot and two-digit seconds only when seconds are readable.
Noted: 8.37
